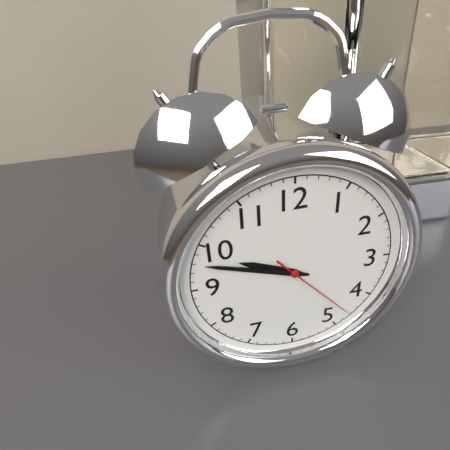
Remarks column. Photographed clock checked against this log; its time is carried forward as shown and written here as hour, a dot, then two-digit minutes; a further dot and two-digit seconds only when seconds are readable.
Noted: 9.48.23
